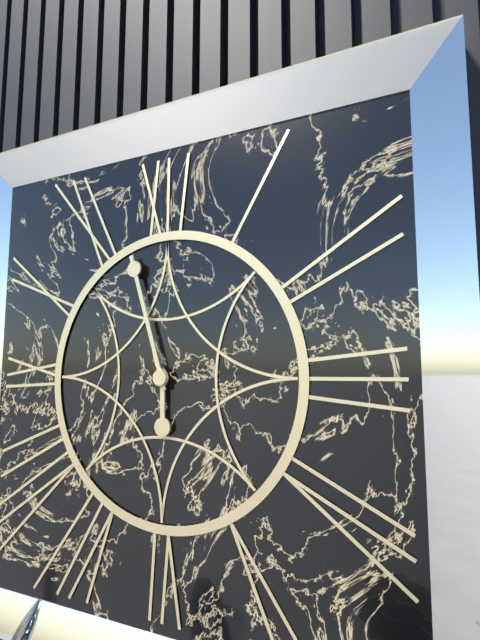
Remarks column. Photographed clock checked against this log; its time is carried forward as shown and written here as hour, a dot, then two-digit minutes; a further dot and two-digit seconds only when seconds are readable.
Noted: 5.57
